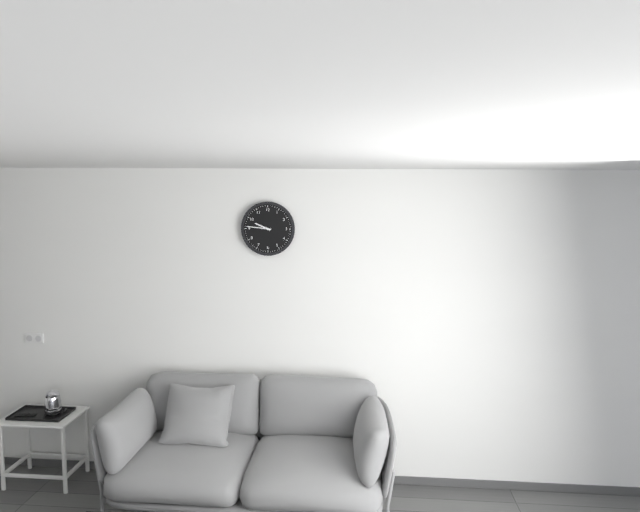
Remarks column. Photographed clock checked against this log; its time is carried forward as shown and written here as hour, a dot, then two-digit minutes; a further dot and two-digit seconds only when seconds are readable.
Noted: 9.46
